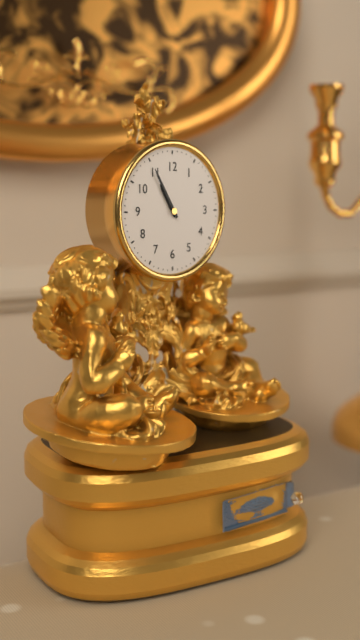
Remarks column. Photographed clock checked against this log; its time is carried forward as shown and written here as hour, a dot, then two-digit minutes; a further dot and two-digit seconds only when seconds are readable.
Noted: 10.55
